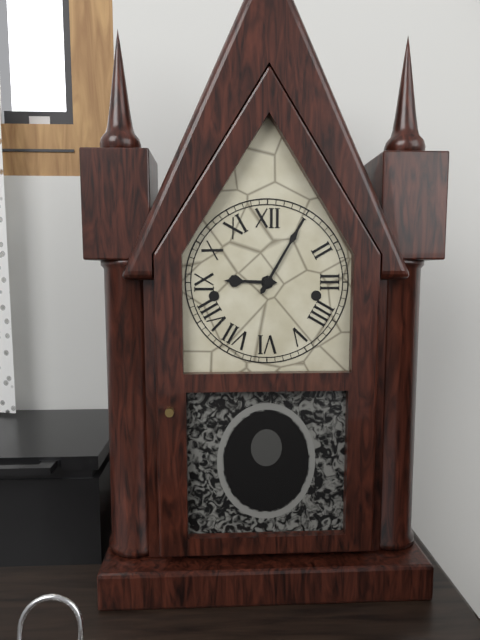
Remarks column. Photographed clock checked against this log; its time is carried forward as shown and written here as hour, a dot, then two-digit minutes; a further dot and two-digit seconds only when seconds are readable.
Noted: 9.05
